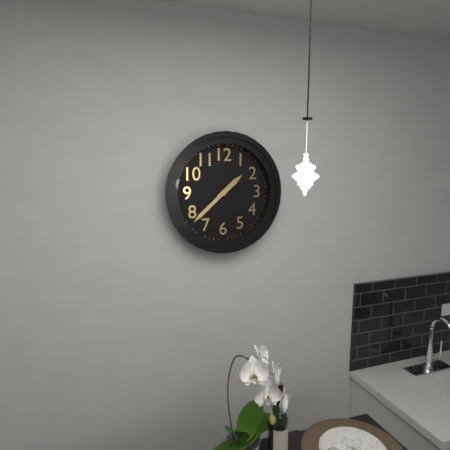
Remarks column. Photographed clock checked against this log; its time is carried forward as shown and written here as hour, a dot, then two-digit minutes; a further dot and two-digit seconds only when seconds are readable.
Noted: 1.38
